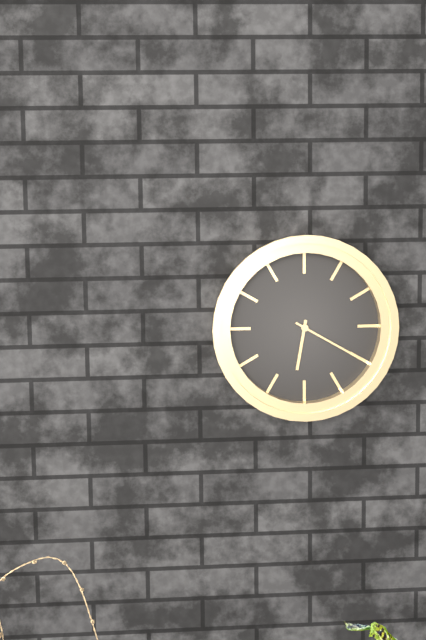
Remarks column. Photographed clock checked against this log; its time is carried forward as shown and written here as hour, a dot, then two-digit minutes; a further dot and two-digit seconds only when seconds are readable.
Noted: 6.20
